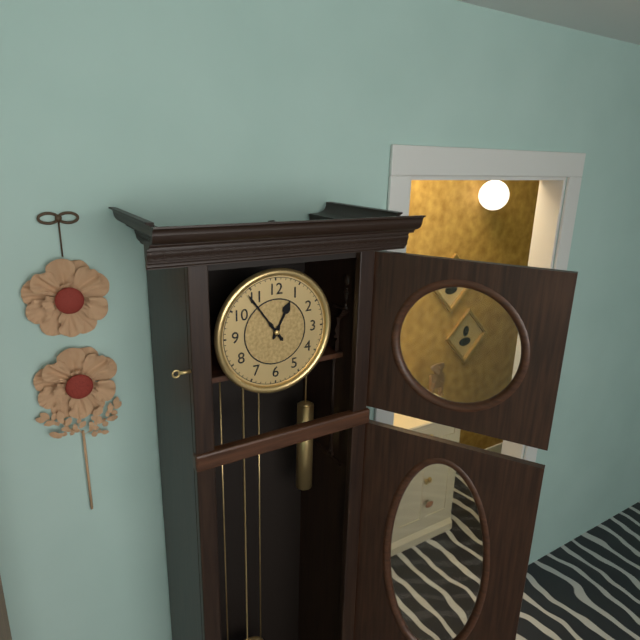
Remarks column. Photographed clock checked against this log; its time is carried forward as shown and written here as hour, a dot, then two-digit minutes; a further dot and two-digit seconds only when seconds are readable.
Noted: 12.54
